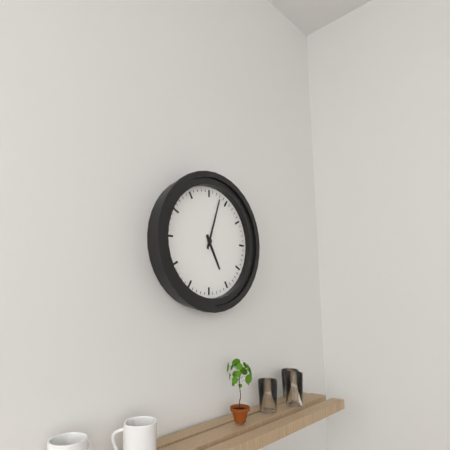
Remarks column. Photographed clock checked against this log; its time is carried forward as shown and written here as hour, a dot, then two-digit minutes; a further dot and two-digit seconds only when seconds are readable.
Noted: 5.03
